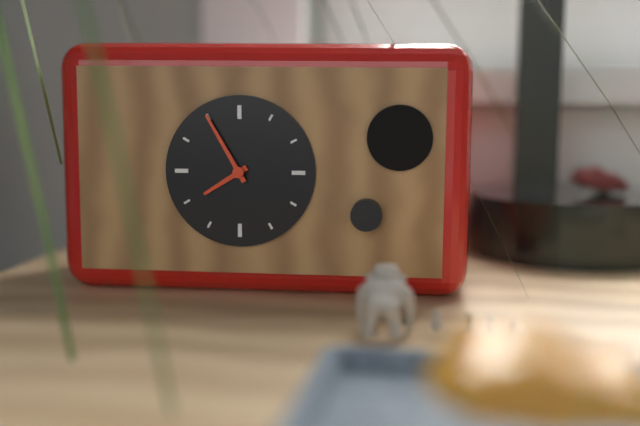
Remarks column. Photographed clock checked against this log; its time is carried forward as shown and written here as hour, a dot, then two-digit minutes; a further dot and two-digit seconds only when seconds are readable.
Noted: 7.55
